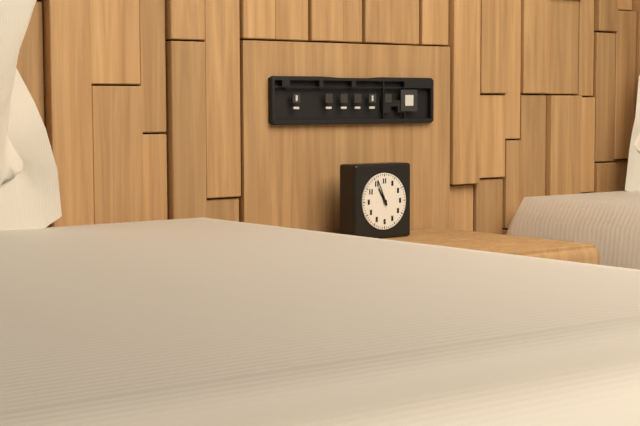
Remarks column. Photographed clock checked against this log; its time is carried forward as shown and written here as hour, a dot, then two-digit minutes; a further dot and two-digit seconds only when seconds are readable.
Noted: 10.56
